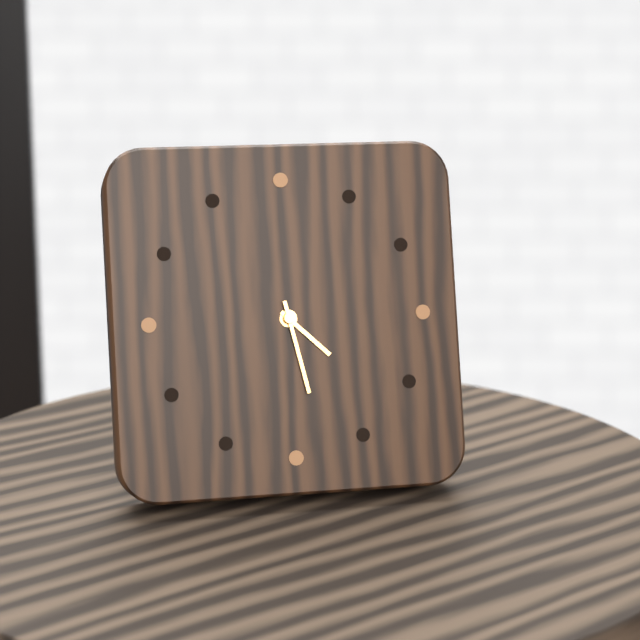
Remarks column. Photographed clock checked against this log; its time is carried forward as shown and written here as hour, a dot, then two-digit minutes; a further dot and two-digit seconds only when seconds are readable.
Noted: 4.28
